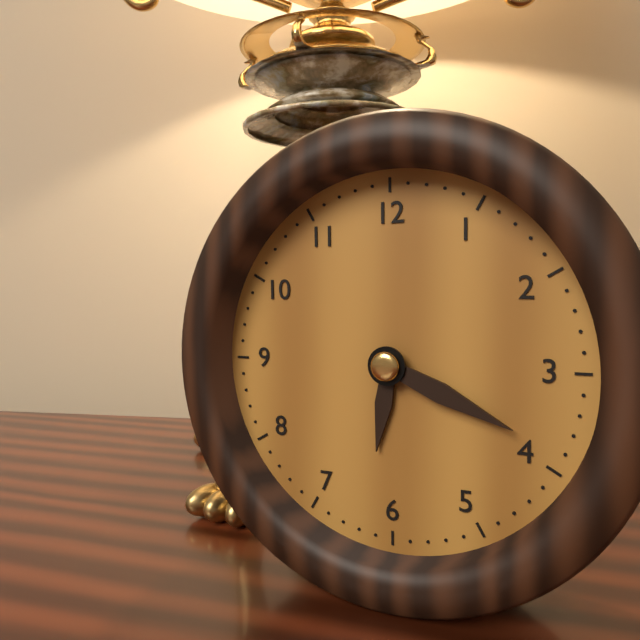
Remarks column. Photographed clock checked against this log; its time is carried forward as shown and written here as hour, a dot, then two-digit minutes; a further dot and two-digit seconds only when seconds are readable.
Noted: 6.19
